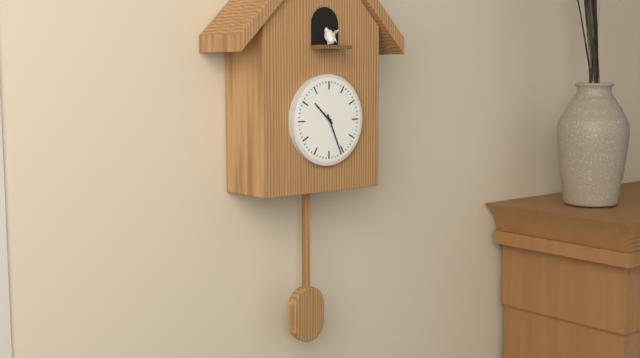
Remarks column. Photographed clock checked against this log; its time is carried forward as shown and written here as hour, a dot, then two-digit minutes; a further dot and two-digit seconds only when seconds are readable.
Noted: 10.26
